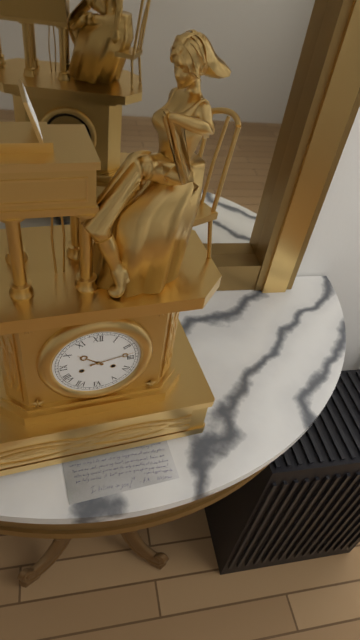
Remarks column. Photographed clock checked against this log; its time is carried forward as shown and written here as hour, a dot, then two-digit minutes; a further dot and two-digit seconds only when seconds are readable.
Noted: 10.13
